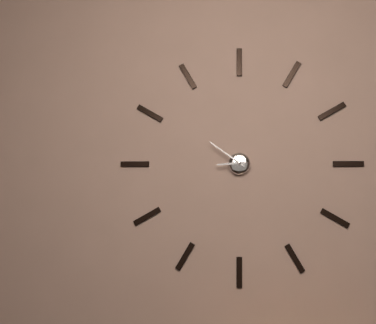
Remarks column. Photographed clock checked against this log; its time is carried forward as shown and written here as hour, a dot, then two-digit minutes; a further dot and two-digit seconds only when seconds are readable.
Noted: 8.51
